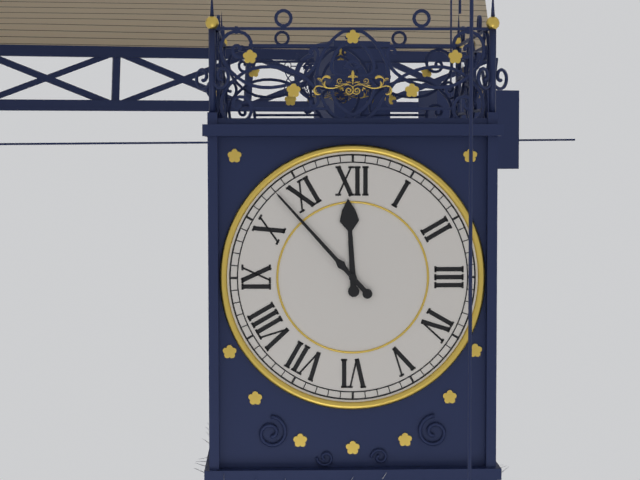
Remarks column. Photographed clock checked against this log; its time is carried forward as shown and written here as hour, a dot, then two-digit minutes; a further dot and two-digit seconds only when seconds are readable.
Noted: 11.53
